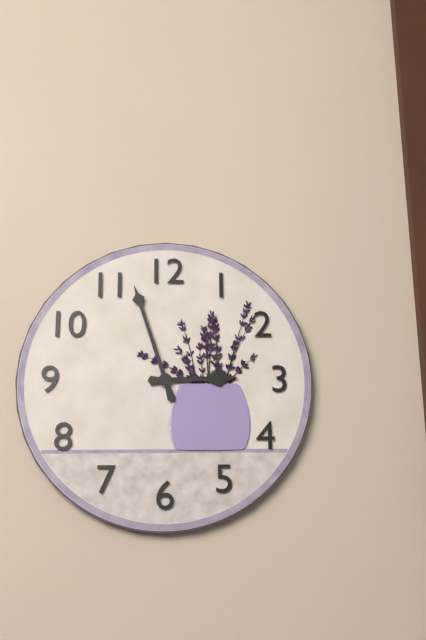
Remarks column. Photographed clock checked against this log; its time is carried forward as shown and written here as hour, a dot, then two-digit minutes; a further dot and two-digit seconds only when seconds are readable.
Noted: 2.57
